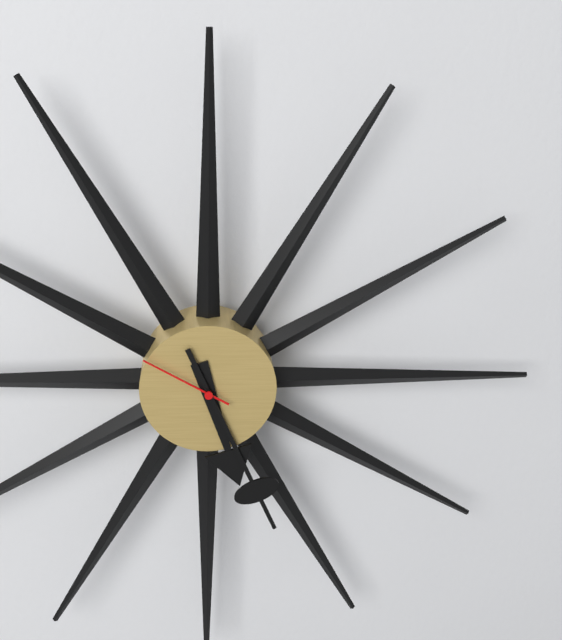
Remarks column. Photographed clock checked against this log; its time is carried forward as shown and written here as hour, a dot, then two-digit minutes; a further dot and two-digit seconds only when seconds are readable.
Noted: 5.26.50
